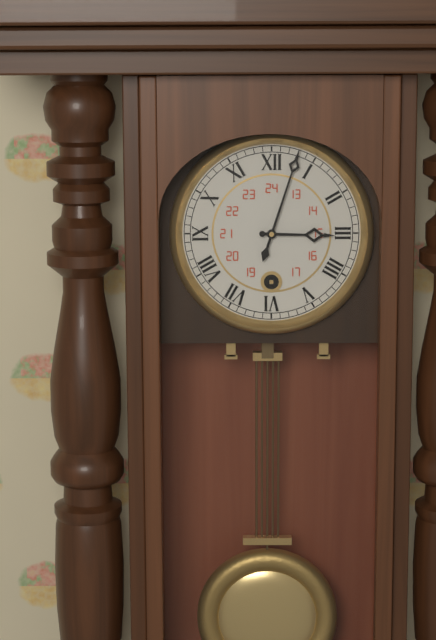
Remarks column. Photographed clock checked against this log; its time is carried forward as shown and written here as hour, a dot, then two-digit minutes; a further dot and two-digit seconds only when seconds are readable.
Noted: 3.03
